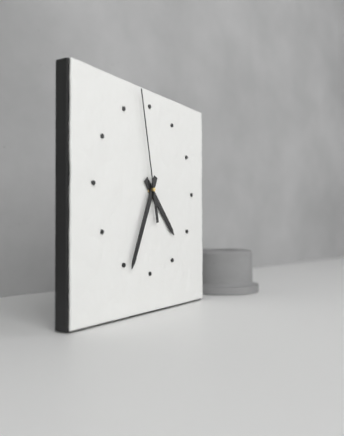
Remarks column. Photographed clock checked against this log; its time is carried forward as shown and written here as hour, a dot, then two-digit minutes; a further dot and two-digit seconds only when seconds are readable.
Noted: 4.34.58
